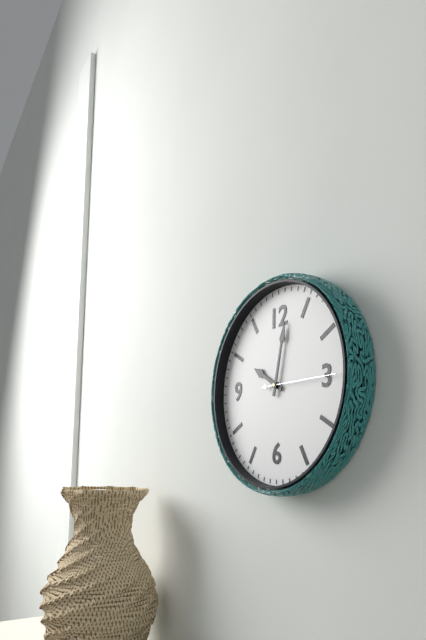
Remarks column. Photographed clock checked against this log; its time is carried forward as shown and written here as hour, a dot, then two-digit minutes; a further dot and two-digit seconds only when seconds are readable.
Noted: 10.02.15
